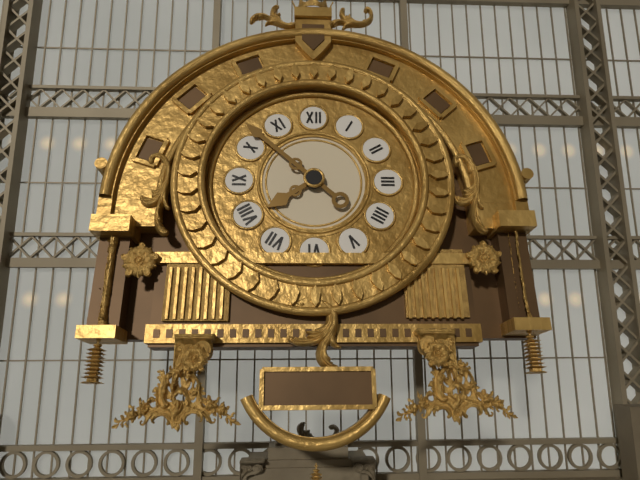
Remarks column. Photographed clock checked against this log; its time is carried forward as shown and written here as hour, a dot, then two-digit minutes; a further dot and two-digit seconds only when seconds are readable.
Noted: 7.52
